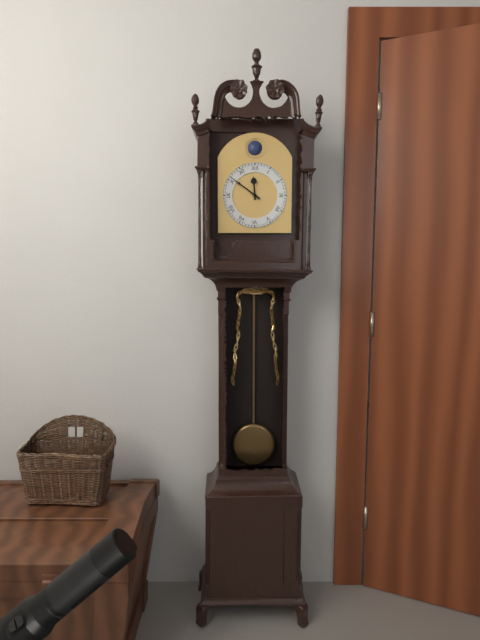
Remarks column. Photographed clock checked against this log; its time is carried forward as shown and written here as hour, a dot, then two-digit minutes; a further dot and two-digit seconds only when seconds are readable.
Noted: 11.51
